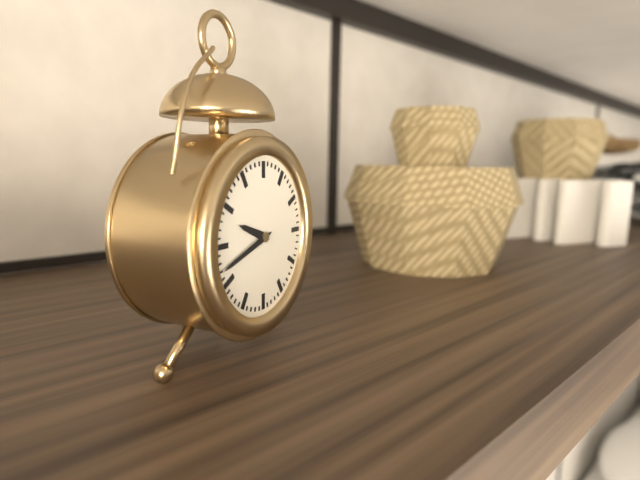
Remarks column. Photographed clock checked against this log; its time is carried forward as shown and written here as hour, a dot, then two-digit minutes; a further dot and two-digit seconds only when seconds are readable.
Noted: 9.42
